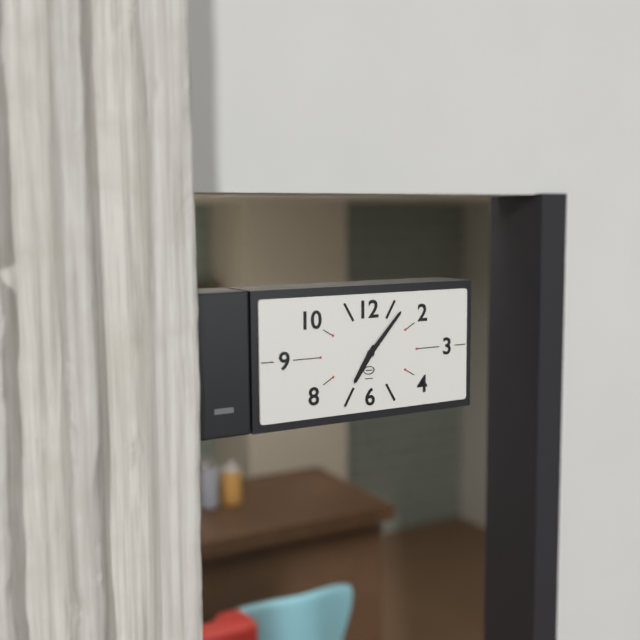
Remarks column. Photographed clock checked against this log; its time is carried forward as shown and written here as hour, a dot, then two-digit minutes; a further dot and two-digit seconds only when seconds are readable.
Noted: 7.07
